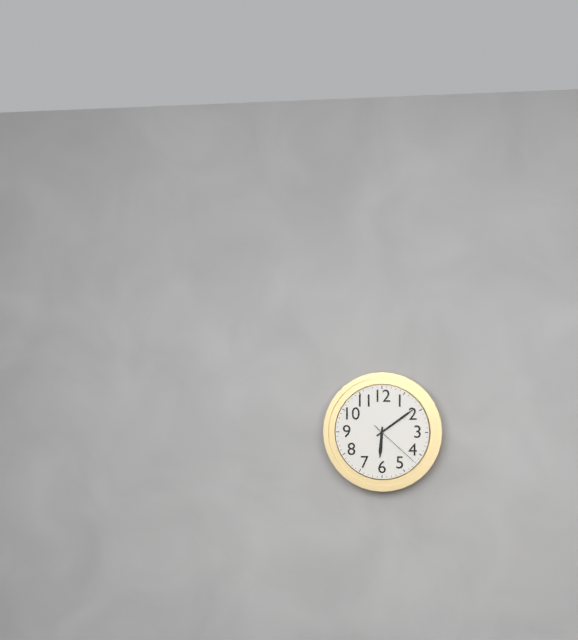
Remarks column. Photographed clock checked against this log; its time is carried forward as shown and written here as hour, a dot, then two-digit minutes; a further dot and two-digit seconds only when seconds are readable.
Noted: 6.09.22
